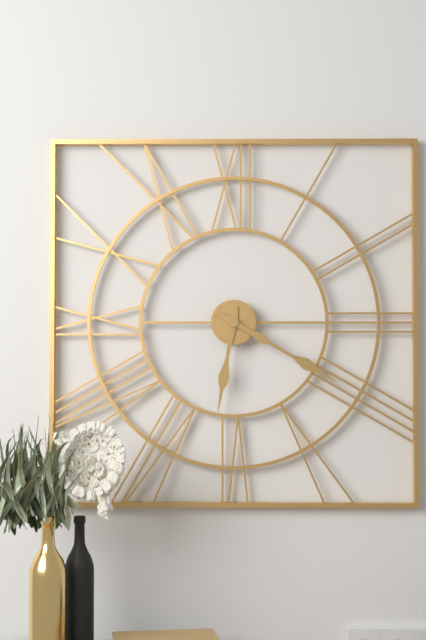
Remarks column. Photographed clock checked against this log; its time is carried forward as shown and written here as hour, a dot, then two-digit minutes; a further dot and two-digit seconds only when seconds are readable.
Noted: 6.20
